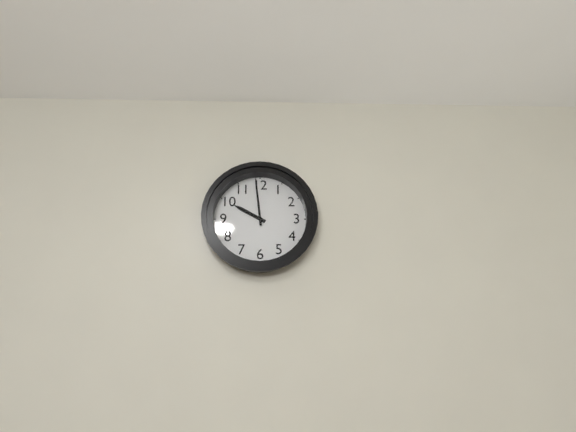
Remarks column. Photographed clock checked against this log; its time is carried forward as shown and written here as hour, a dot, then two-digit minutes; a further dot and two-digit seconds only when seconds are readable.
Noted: 9.59
